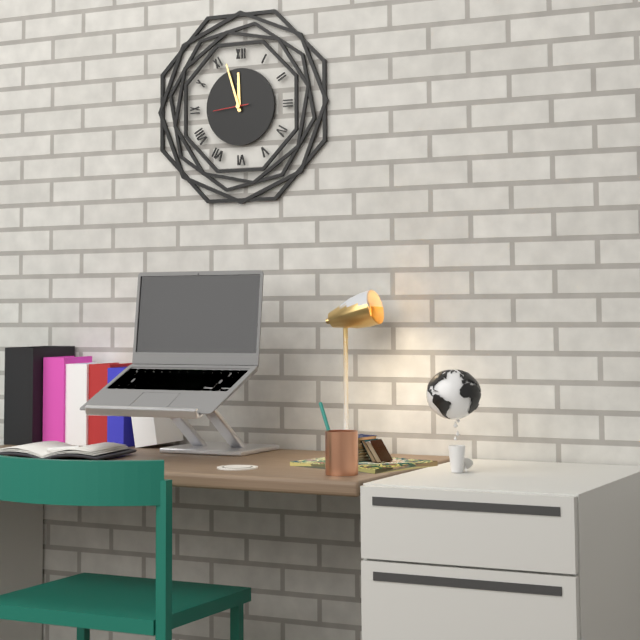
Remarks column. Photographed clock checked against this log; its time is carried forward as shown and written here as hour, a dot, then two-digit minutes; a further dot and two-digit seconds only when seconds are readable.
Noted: 11.57
